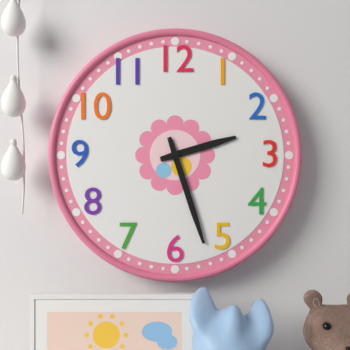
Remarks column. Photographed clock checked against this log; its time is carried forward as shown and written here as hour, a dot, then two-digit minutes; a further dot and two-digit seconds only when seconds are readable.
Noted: 2.27
